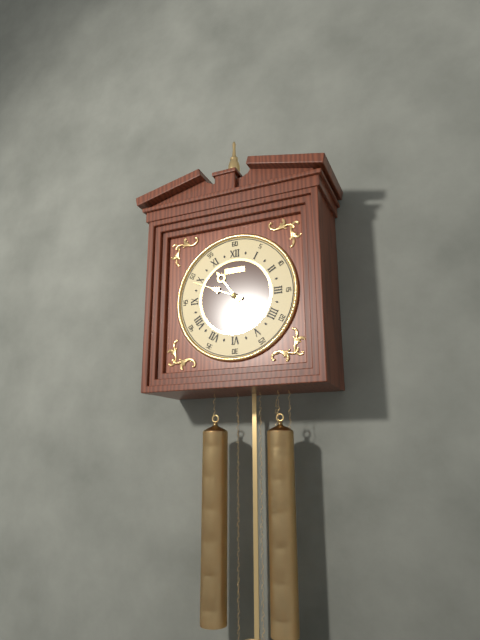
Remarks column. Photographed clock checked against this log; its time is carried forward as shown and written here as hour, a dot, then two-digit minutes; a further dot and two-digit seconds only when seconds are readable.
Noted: 10.49
